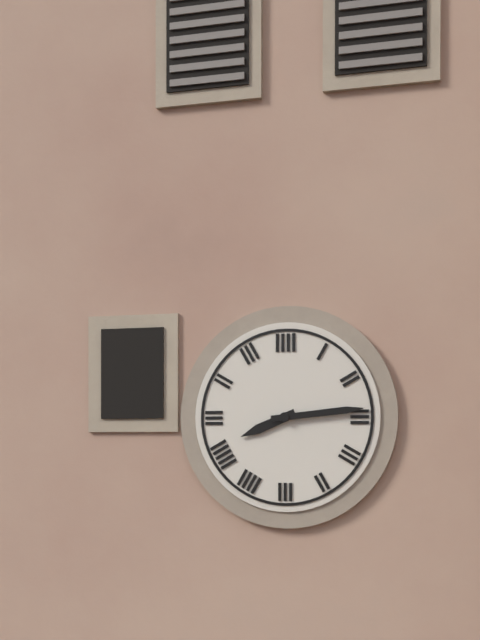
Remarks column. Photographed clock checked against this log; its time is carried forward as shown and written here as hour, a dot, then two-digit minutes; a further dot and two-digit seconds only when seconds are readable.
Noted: 8.14
